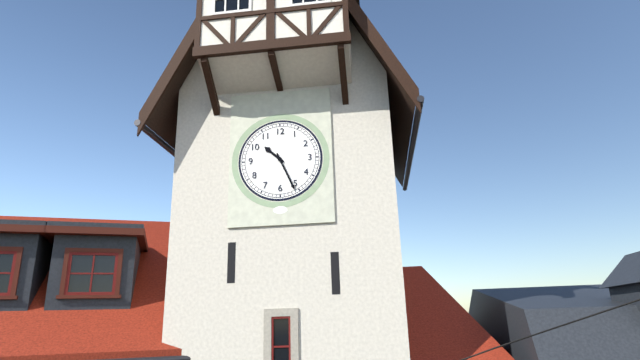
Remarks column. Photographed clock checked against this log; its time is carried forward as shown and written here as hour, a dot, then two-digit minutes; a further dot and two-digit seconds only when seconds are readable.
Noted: 10.26
